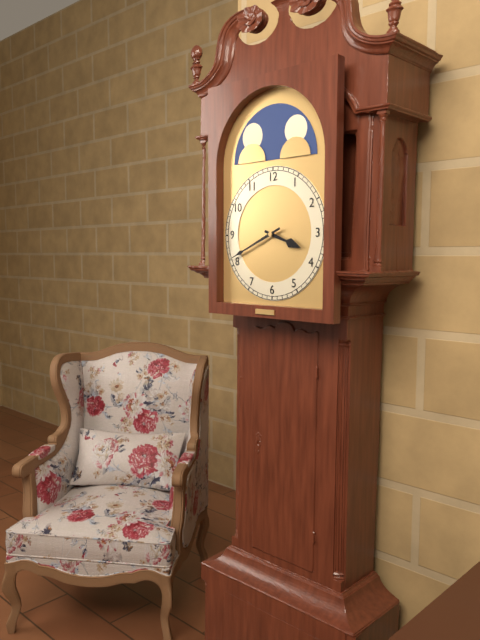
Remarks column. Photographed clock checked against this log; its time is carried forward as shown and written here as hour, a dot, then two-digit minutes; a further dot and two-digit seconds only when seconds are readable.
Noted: 3.41
